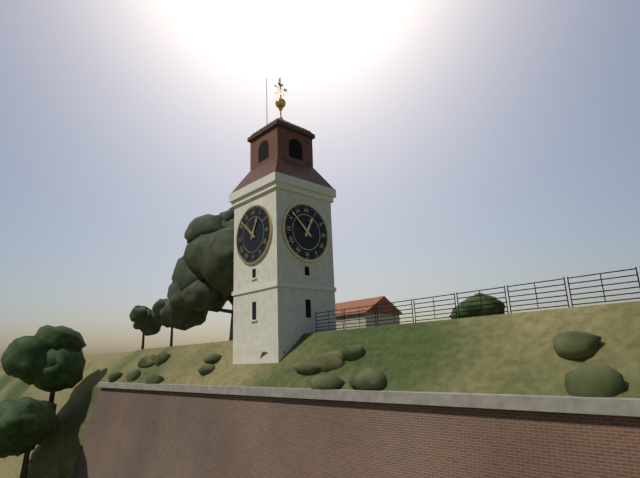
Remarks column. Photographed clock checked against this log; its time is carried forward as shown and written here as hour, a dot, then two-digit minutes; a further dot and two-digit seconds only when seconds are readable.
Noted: 12.52
